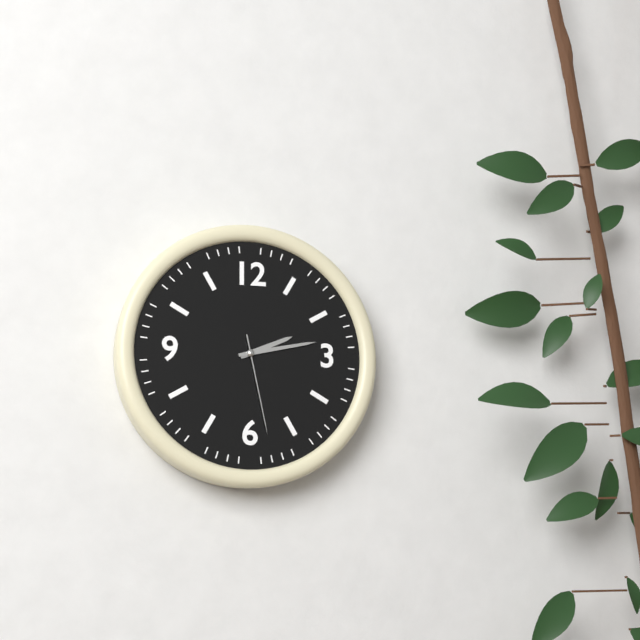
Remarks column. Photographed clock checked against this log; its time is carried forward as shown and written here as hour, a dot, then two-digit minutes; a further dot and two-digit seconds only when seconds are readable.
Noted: 2.13.28
